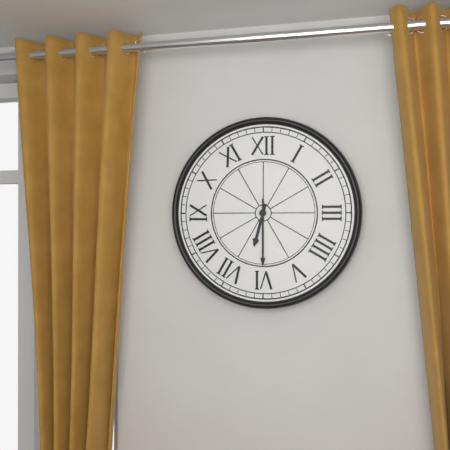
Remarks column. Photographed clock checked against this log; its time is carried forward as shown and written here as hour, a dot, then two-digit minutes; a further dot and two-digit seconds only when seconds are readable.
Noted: 6.30
